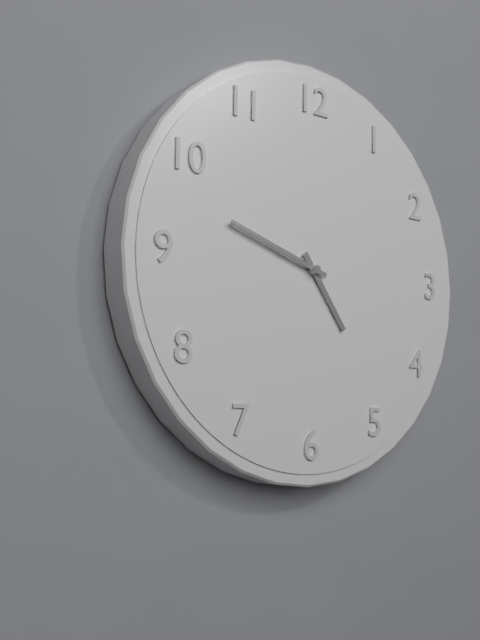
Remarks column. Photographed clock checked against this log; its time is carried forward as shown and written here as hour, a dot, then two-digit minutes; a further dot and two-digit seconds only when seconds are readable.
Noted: 4.48
